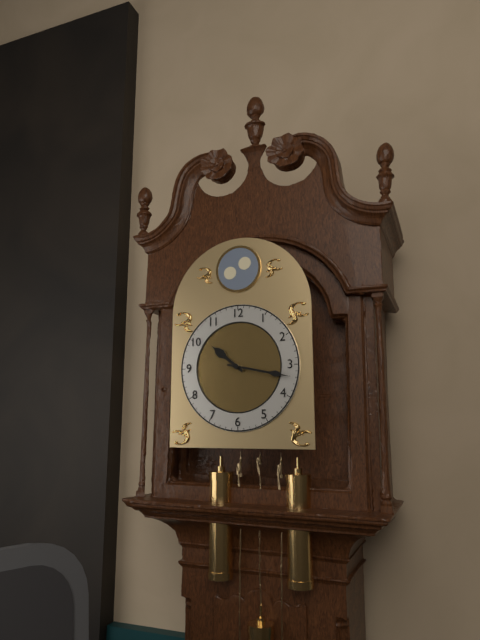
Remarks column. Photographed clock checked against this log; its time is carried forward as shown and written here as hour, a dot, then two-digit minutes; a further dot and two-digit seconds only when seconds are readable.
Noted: 10.17
